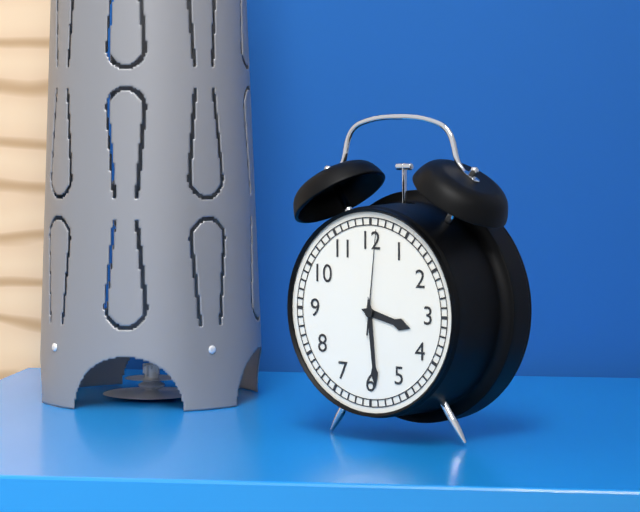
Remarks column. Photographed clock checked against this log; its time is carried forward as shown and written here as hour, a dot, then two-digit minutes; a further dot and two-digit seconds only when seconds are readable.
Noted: 3.29.01
